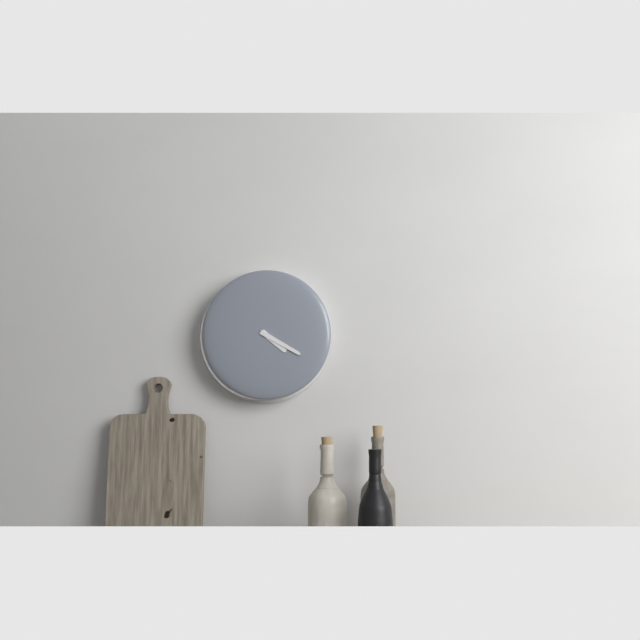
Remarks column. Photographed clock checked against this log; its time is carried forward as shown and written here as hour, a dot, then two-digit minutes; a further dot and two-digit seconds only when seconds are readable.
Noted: 4.20
